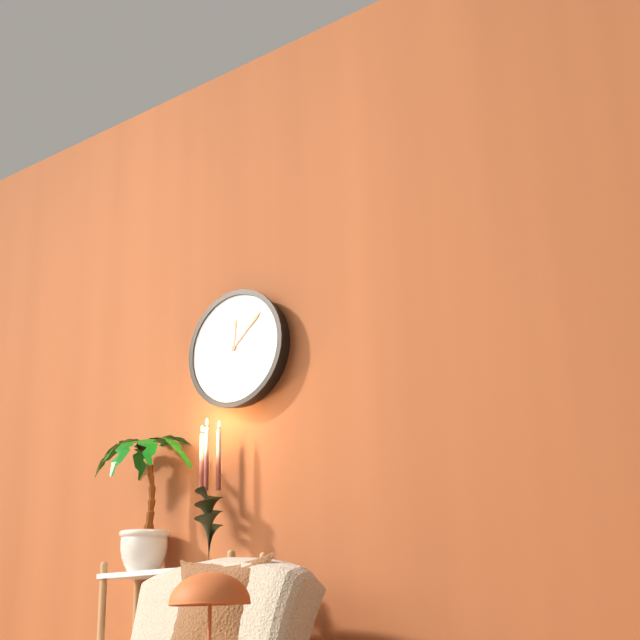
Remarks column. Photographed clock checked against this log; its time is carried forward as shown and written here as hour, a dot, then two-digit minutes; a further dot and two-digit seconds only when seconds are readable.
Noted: 12.08
